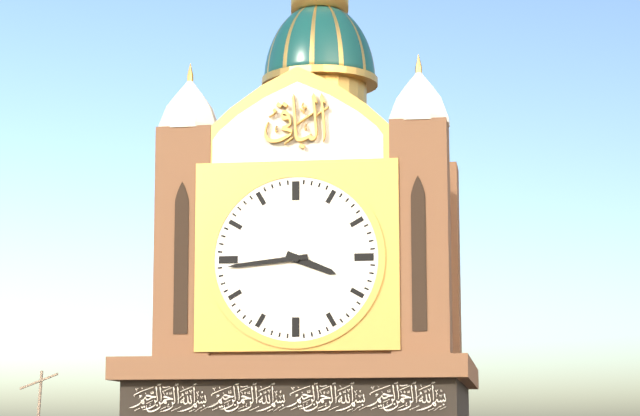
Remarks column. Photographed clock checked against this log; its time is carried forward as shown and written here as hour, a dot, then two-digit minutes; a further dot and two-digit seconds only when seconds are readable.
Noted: 3.44
